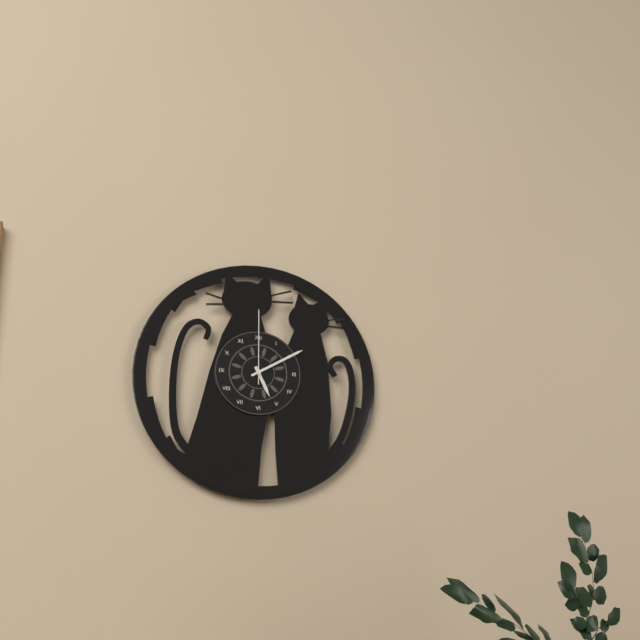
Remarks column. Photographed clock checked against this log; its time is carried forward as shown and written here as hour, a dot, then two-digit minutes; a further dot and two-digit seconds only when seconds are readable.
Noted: 5.10.00
